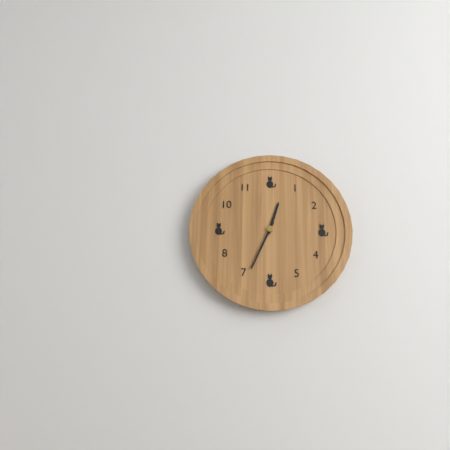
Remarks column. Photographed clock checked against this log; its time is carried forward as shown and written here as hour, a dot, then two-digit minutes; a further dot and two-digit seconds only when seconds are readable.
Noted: 12.34
